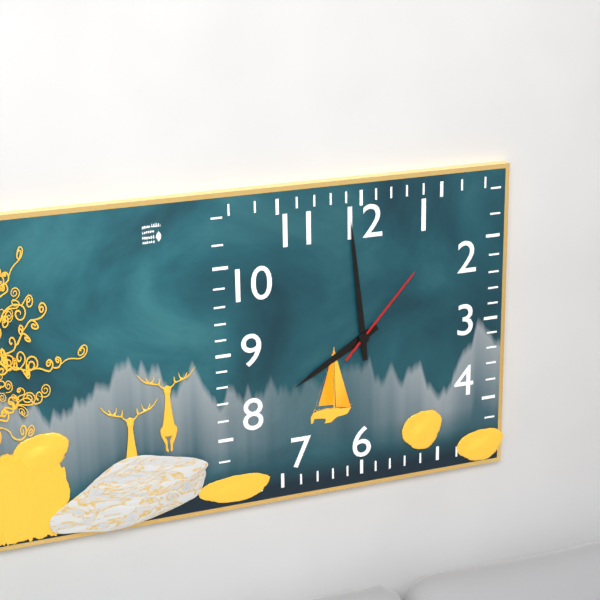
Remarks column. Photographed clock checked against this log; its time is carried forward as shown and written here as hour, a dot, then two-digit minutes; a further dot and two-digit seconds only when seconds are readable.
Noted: 7.59.07
